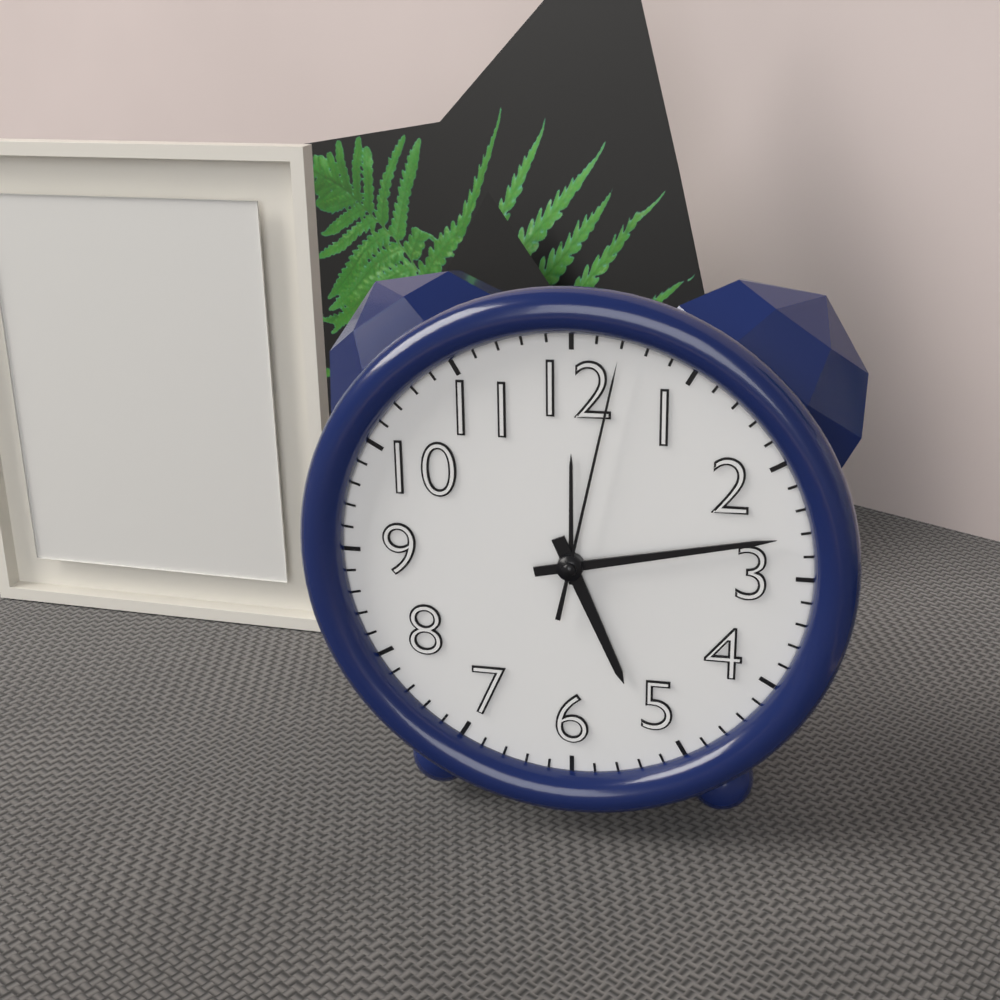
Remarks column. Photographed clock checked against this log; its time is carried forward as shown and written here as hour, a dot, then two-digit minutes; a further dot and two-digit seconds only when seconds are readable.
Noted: 5.13.02
